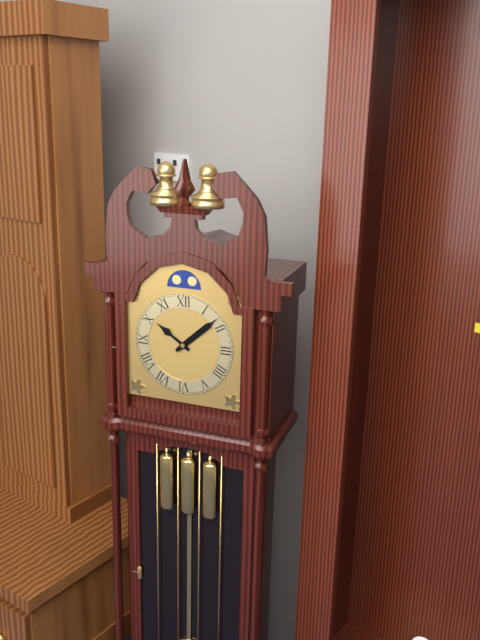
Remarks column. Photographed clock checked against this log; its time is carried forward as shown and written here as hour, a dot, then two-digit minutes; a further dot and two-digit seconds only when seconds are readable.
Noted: 10.08
